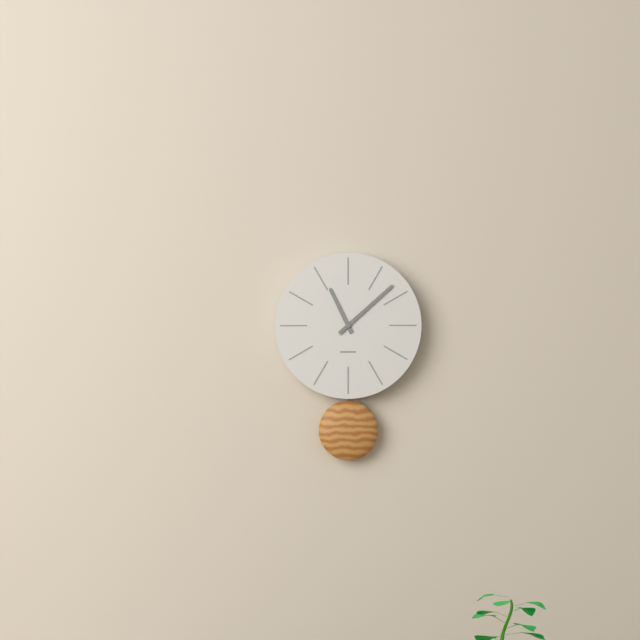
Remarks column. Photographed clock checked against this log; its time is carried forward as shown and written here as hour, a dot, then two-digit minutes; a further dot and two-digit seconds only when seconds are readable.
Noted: 11.08
